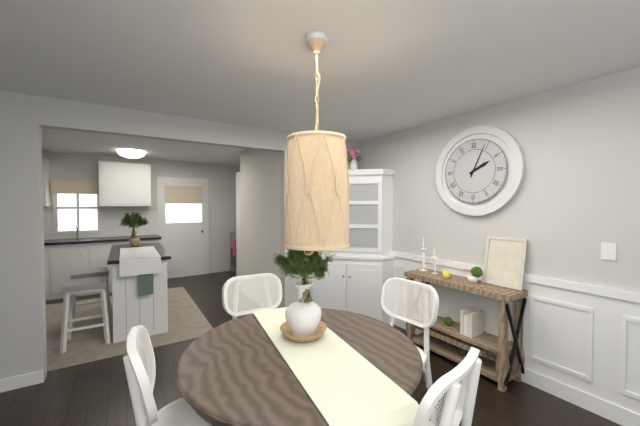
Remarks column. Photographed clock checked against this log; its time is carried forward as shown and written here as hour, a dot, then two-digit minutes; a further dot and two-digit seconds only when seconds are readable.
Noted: 2.04
